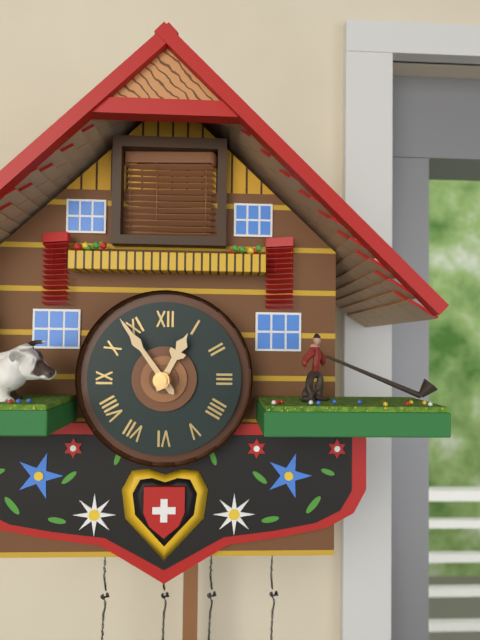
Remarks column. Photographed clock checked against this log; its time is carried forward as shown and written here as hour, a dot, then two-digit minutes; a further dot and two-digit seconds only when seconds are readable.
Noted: 12.54
